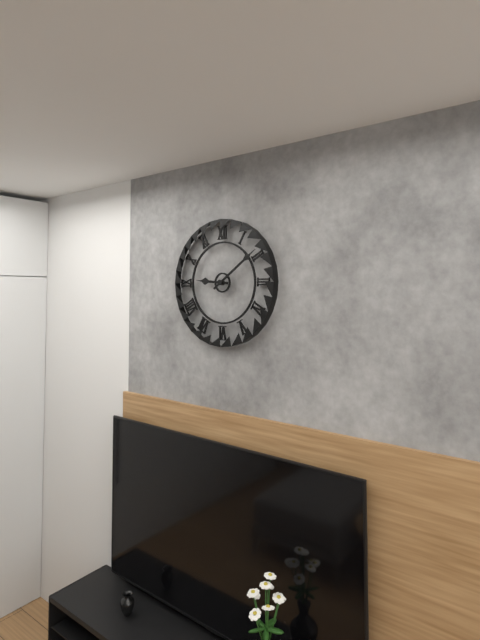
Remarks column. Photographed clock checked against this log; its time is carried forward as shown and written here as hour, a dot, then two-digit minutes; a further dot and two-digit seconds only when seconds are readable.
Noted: 9.09
